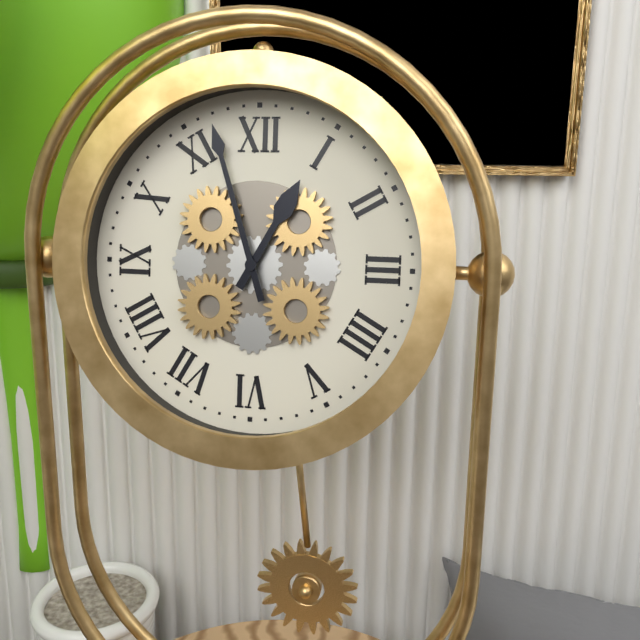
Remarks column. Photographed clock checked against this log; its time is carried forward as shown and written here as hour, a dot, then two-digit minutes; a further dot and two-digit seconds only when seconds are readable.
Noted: 12.57
